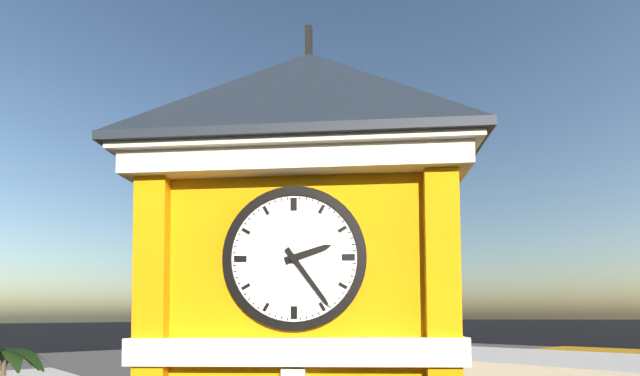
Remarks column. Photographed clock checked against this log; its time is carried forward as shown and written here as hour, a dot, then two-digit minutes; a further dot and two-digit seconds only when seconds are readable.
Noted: 2.24
